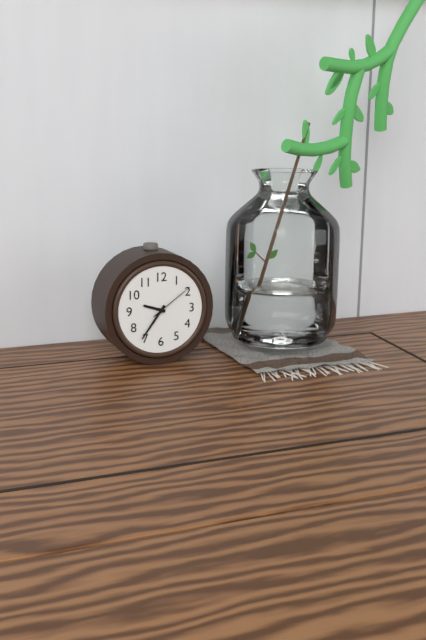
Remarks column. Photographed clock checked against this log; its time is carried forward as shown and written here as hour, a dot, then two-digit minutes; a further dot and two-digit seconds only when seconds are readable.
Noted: 9.36
